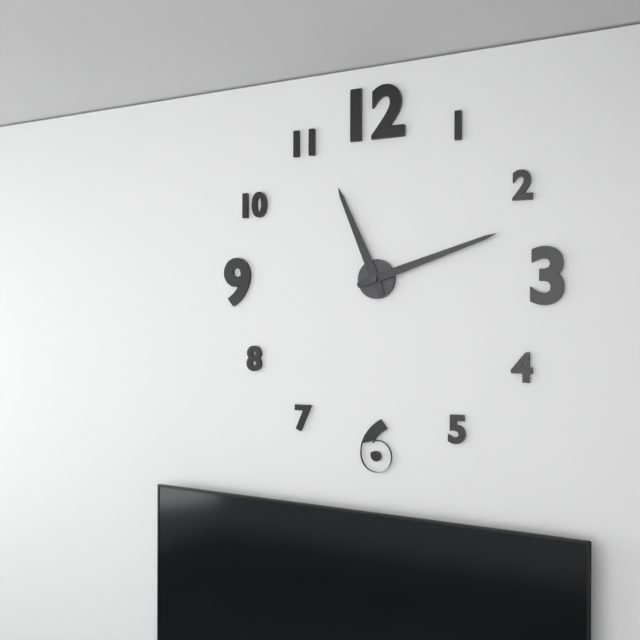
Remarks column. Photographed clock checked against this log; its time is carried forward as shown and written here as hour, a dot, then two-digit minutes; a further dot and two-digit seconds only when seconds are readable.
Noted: 11.12
